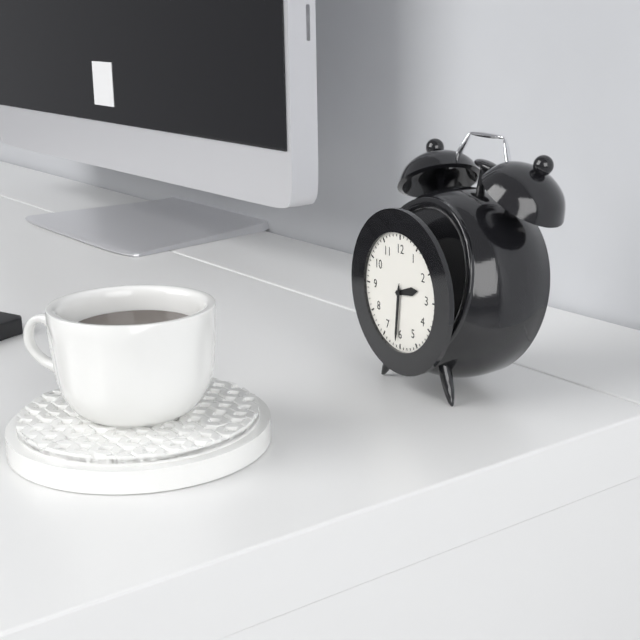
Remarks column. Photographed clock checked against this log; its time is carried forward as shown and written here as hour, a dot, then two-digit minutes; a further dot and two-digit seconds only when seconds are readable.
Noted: 2.31
